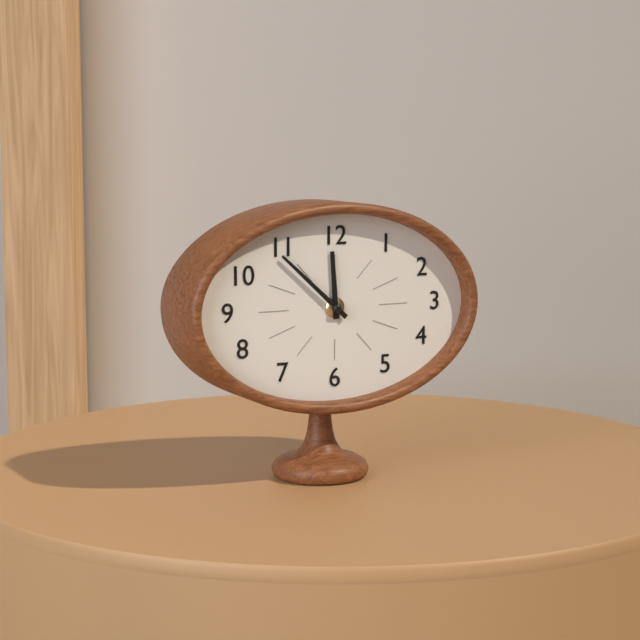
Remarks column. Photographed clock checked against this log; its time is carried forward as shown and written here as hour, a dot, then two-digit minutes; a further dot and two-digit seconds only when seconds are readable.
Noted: 11.52
